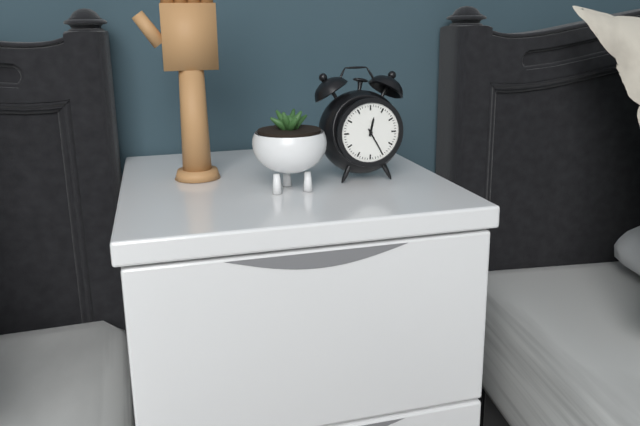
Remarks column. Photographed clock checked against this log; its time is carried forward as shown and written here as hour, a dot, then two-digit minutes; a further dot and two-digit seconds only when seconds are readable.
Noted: 12.25
